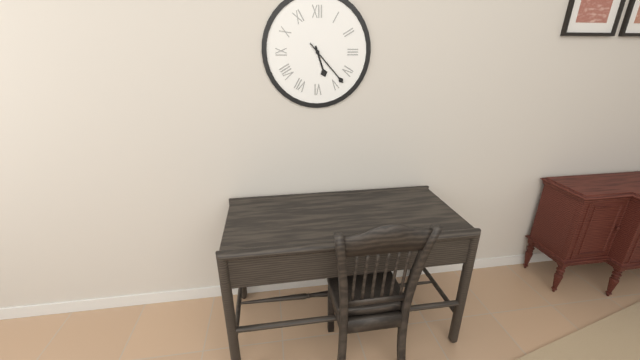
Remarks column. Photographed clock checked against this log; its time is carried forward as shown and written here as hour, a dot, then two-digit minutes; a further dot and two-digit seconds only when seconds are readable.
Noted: 5.23
